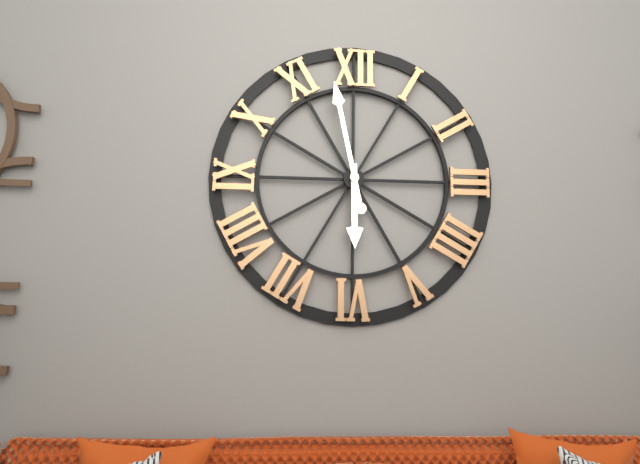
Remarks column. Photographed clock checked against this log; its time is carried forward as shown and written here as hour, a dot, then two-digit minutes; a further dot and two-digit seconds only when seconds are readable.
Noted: 5.58
